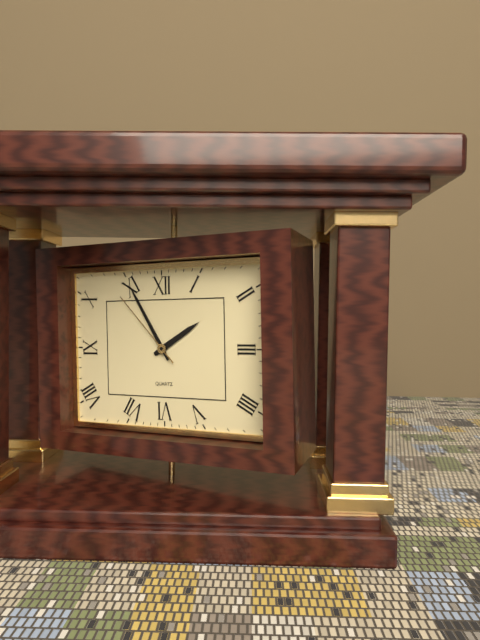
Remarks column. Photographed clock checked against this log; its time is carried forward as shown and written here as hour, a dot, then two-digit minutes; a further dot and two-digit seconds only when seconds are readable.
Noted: 1.55.53
